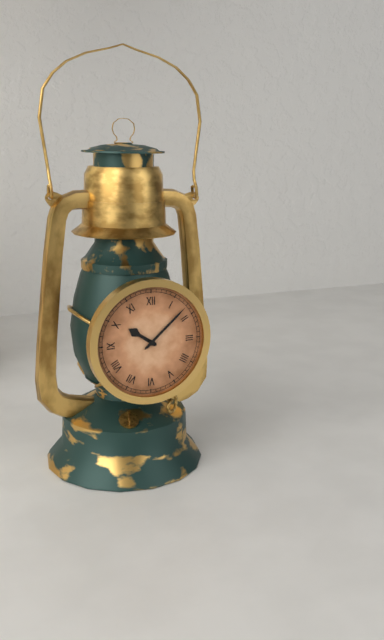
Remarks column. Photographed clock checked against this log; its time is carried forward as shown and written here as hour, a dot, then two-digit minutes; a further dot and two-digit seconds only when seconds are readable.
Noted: 10.08
